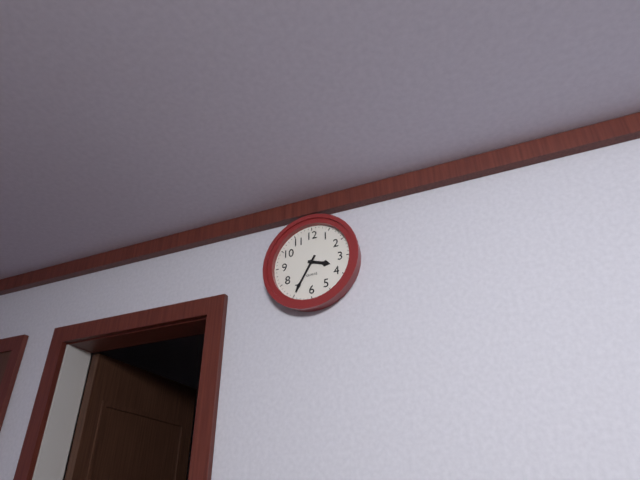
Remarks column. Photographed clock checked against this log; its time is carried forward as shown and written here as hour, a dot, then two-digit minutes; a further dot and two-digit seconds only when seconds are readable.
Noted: 3.35
